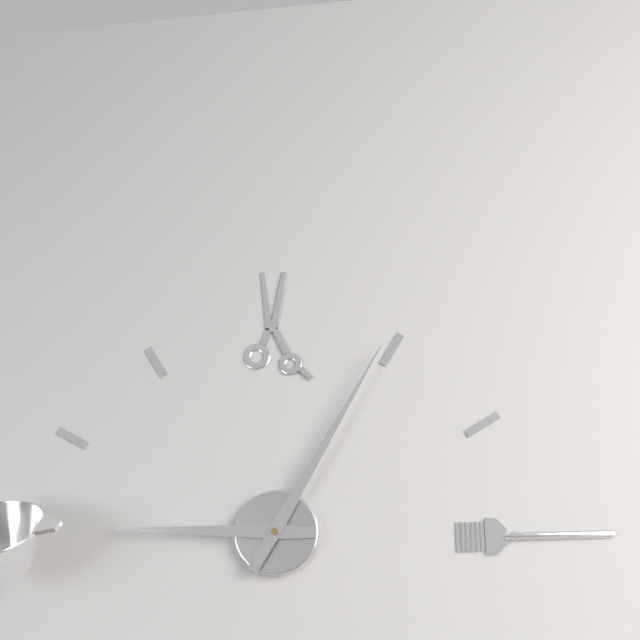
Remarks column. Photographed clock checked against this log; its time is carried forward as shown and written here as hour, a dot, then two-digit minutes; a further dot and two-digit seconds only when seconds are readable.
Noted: 9.05
